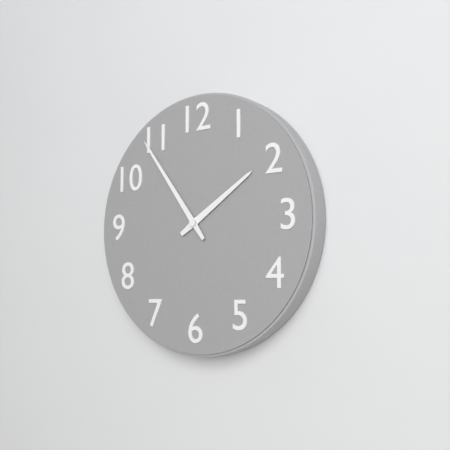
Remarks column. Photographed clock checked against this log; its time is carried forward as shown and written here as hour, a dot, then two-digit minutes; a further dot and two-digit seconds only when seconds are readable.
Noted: 1.54
